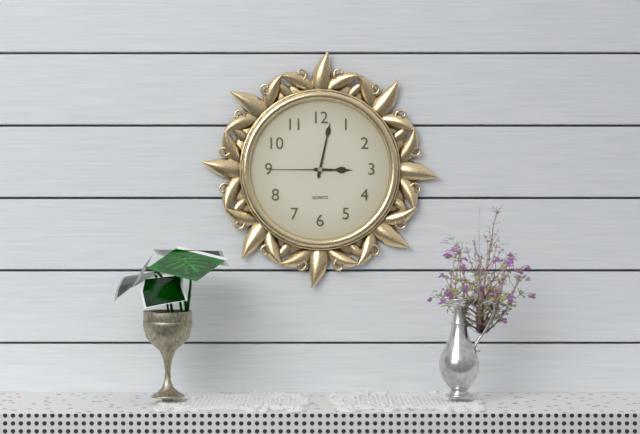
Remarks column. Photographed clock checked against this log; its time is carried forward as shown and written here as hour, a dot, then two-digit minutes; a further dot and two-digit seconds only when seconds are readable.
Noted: 3.02.45
